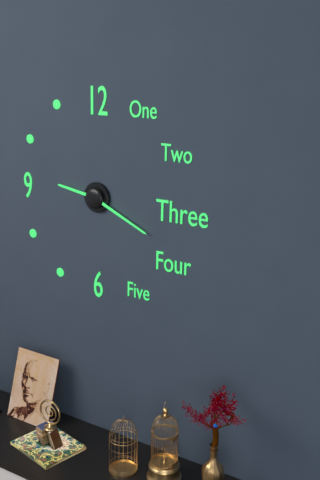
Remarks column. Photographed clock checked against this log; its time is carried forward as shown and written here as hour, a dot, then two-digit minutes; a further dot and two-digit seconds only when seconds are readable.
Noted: 9.19
